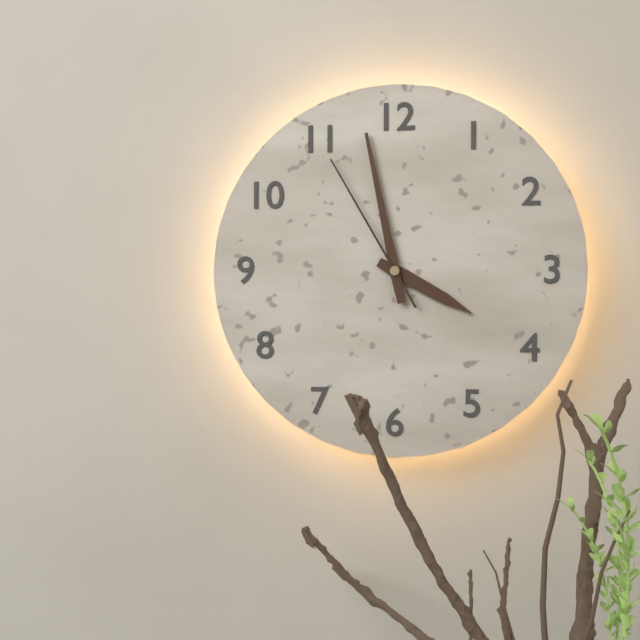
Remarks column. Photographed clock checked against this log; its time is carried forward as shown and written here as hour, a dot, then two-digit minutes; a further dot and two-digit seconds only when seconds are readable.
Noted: 3.58.55
